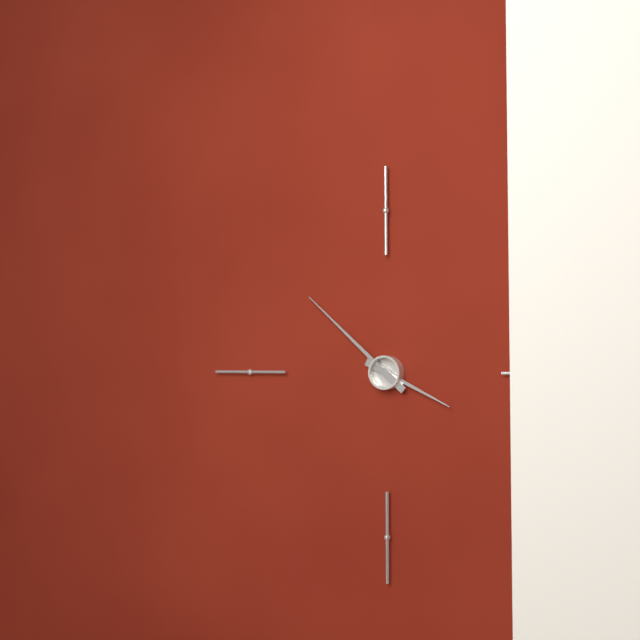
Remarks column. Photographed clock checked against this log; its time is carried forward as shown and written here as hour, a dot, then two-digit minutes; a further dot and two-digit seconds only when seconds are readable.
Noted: 3.52
